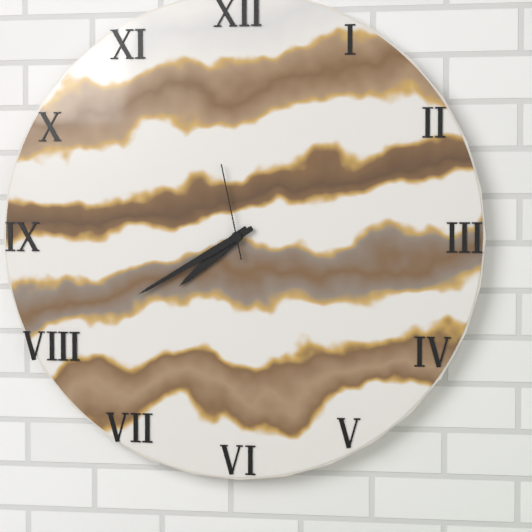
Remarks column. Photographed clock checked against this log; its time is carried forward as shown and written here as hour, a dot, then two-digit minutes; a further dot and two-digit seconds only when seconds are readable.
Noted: 7.40.58
